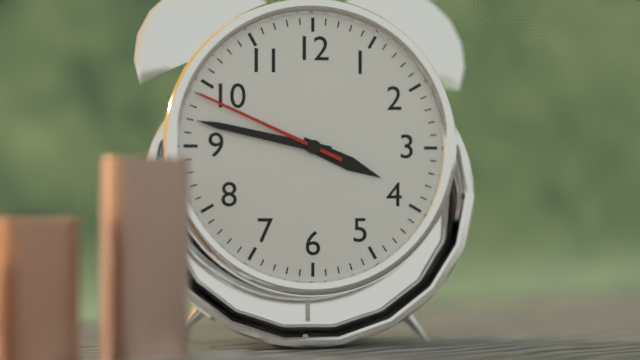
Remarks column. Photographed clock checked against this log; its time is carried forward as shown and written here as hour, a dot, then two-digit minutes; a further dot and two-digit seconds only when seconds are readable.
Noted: 3.47.49
